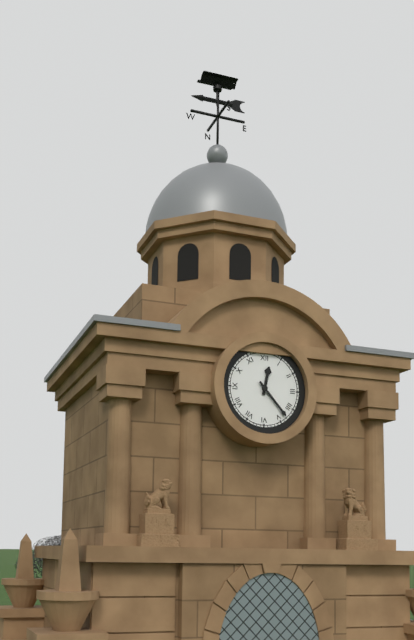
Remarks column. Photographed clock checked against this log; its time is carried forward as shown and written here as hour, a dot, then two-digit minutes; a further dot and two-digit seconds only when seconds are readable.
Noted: 12.23
